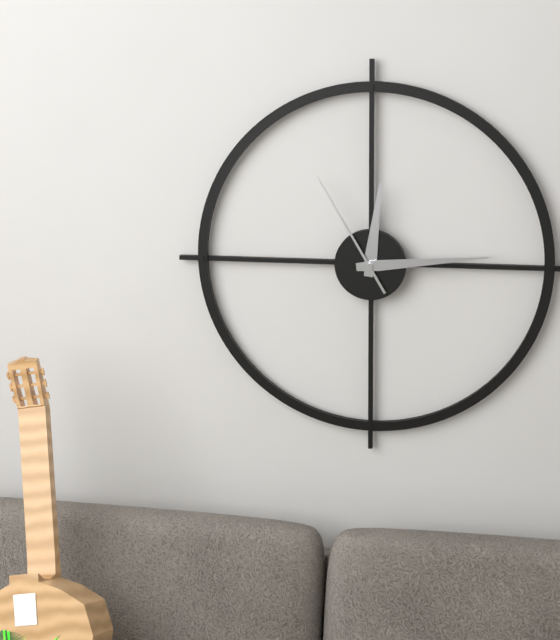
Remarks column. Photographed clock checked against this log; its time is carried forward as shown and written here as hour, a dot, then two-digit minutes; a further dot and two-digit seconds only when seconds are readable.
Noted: 12.14.55
